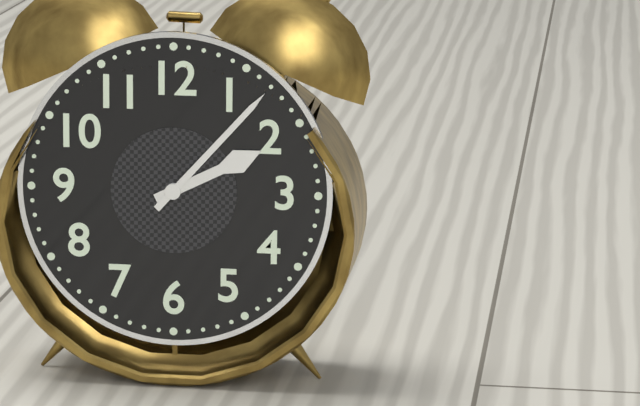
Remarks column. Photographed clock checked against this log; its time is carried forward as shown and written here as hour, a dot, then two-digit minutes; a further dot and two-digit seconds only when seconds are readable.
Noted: 2.07
